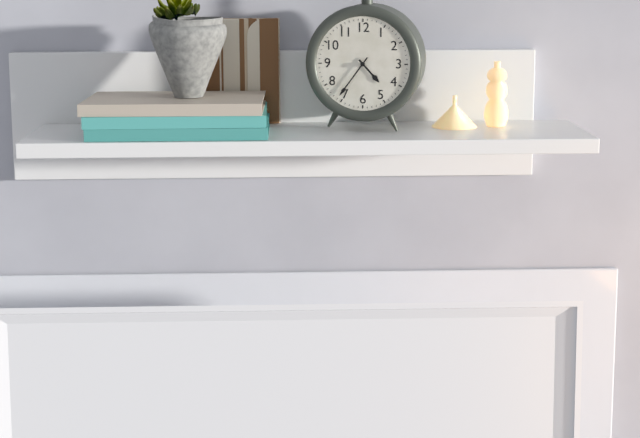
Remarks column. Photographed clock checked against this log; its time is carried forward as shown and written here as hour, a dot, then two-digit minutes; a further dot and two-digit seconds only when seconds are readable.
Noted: 4.36
